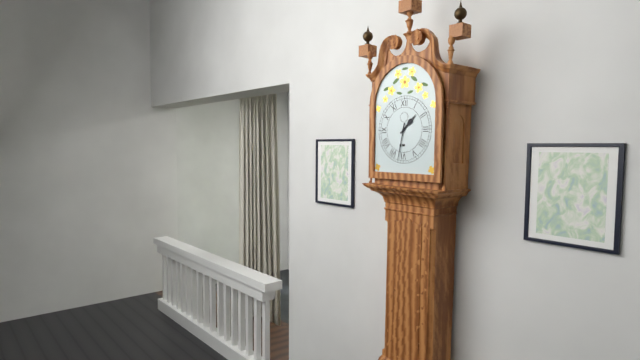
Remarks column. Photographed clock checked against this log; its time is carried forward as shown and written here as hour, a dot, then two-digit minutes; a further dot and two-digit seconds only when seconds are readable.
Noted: 1.32
